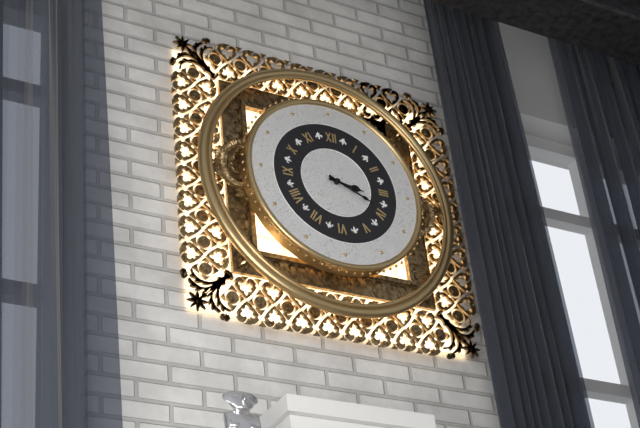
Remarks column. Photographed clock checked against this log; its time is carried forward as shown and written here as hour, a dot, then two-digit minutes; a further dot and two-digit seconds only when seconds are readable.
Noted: 3.19
